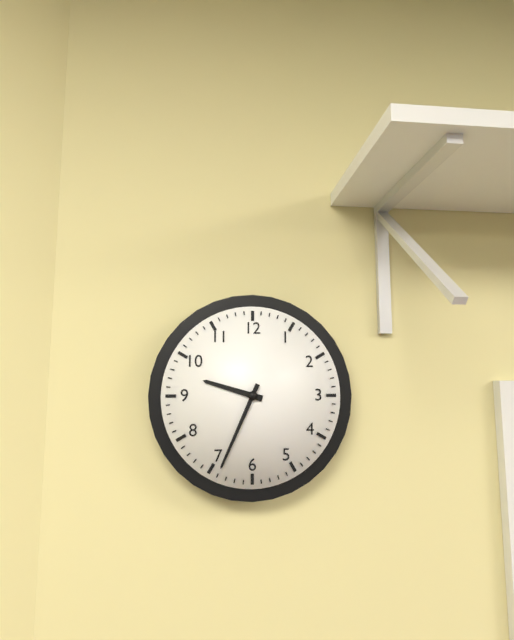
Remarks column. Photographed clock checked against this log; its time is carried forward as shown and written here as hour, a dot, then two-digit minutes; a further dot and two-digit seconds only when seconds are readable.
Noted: 9.34
